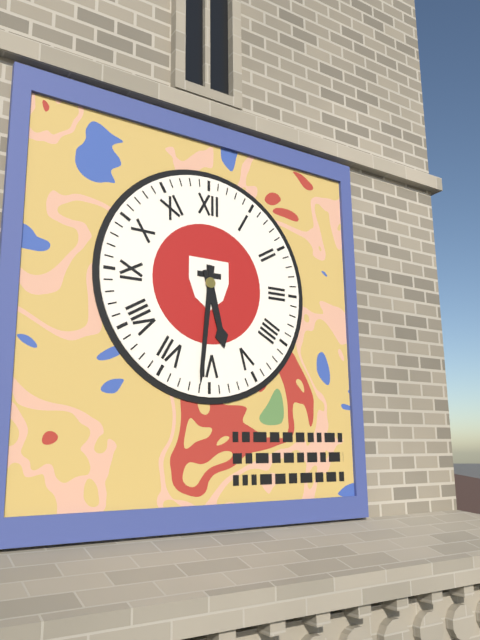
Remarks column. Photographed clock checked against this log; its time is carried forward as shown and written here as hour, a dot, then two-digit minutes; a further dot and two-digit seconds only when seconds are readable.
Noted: 5.31
